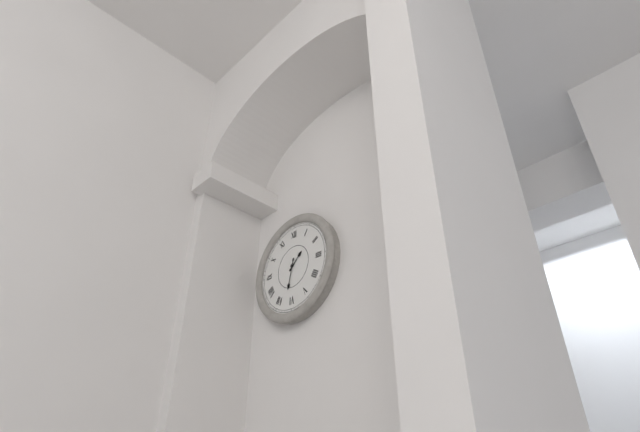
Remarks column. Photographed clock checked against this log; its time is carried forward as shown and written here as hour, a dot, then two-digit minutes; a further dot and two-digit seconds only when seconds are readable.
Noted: 1.32
